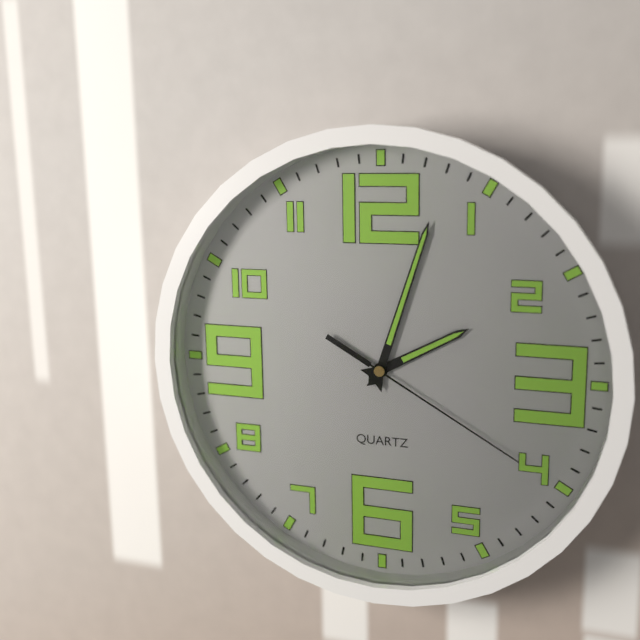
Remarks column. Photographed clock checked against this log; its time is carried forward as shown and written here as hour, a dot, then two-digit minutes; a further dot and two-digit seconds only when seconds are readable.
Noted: 2.03.20
